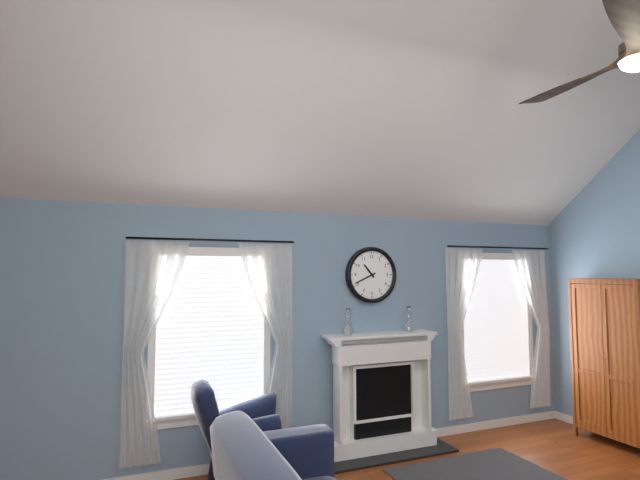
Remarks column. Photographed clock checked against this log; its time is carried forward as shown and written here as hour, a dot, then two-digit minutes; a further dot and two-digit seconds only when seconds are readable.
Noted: 10.41
